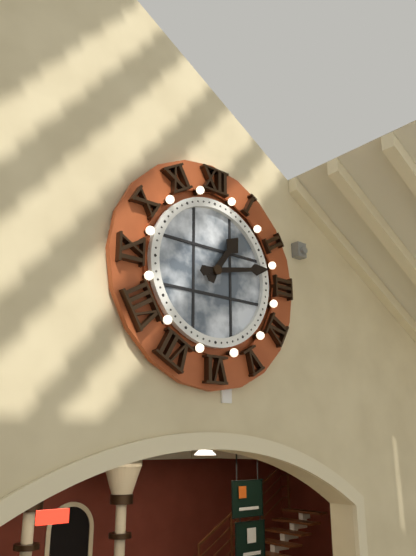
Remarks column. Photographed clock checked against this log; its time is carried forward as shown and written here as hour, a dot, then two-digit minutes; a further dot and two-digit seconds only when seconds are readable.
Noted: 1.13
